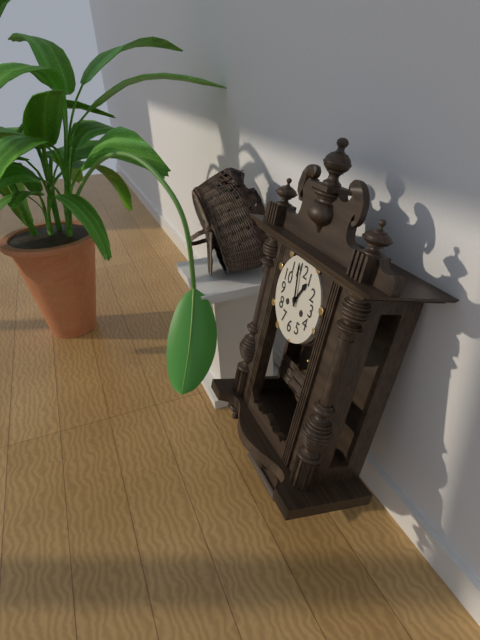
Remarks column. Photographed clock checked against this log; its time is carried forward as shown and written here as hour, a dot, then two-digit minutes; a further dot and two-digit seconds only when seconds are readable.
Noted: 12.58
